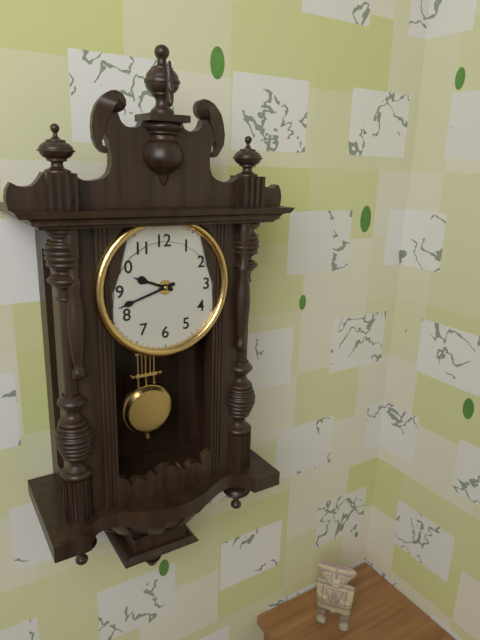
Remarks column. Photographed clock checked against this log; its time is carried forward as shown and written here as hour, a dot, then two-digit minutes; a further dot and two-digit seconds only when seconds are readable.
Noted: 9.42
